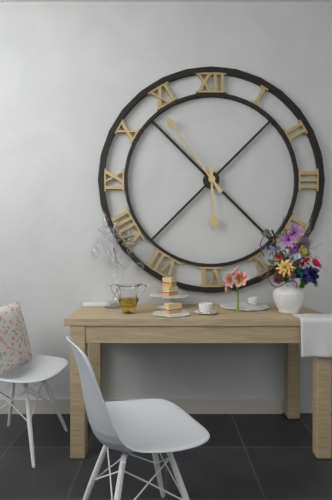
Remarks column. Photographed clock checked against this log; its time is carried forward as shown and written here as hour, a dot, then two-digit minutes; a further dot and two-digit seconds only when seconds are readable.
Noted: 5.54
